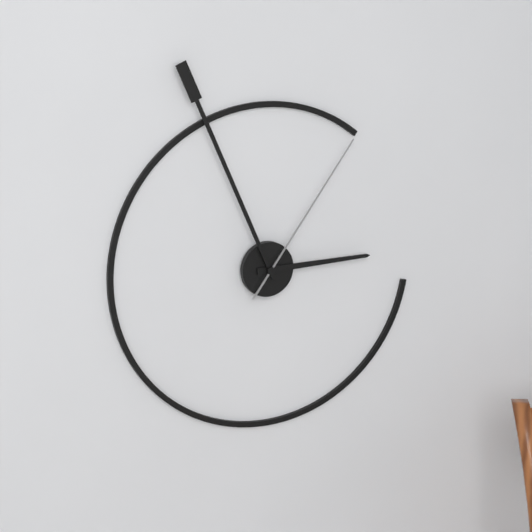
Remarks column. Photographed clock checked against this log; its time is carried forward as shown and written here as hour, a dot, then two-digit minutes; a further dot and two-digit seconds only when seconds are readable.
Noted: 2.56.06
